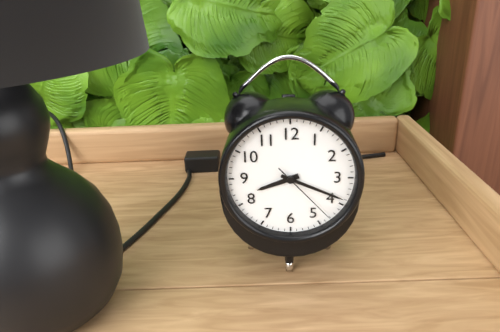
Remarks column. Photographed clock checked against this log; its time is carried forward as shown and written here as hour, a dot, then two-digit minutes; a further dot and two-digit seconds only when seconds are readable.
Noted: 8.19.23
